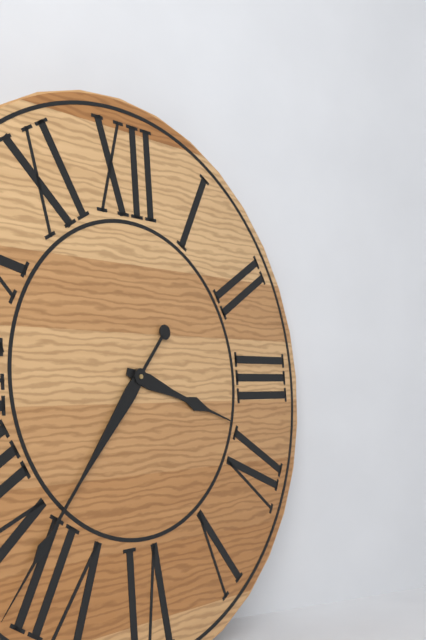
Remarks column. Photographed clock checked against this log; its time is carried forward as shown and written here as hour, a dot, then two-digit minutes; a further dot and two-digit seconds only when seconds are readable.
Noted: 3.37
